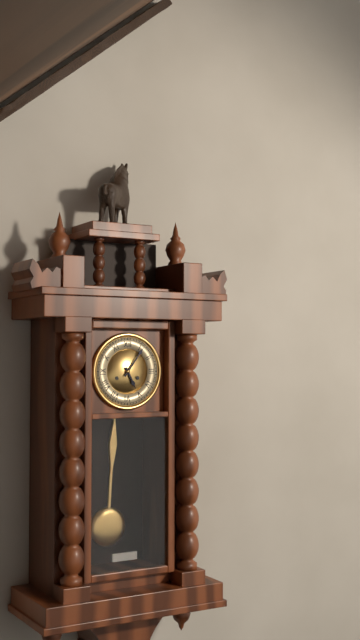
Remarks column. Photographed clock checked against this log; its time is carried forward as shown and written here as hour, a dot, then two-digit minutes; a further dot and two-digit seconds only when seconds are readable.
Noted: 5.06
